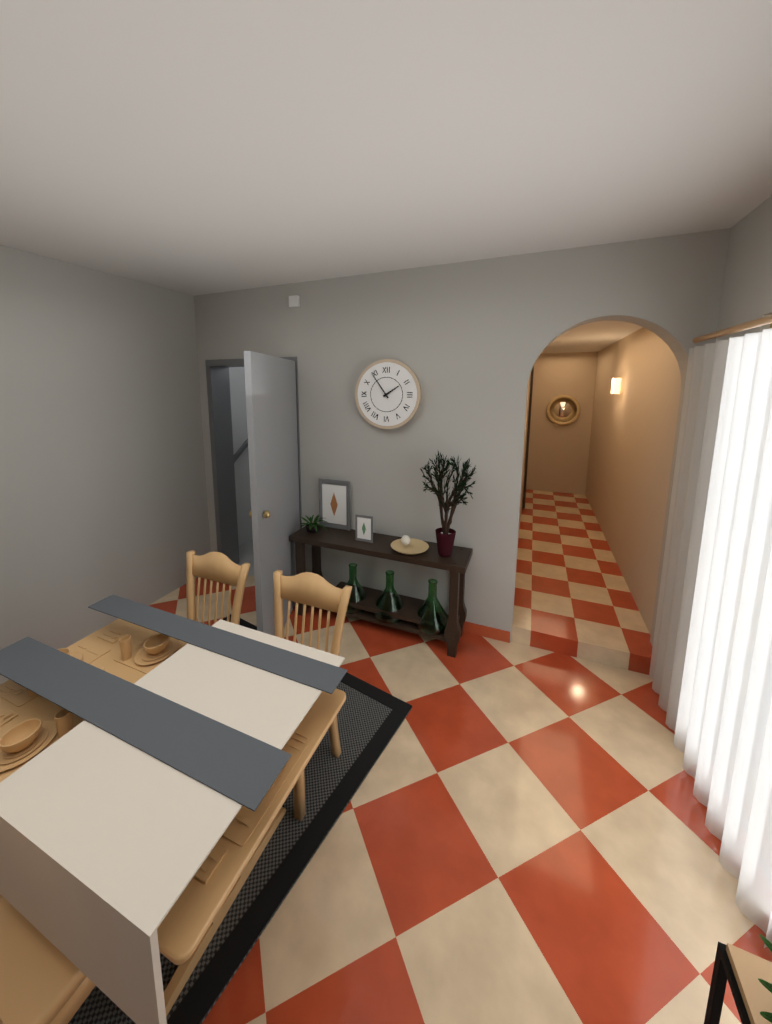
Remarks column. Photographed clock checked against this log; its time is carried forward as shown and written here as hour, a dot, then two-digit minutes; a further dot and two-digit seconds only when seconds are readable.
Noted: 1.54
